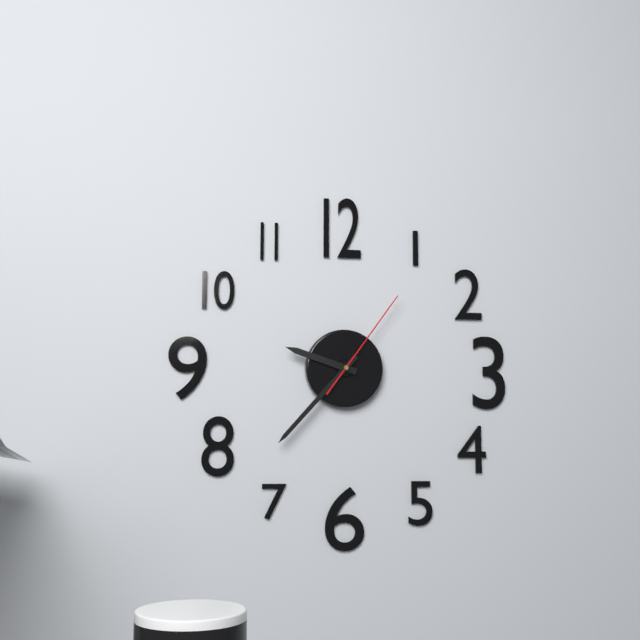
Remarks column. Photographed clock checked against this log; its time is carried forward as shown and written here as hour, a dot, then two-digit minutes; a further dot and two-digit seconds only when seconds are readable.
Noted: 9.37.06
